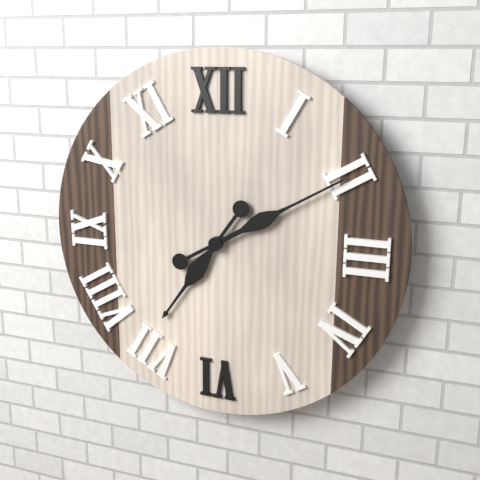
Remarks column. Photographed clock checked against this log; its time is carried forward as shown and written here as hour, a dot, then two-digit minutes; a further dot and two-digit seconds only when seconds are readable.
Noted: 7.10
